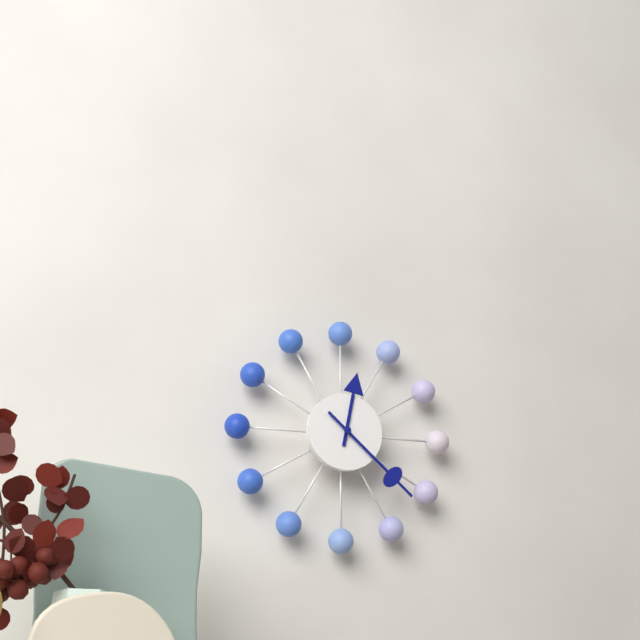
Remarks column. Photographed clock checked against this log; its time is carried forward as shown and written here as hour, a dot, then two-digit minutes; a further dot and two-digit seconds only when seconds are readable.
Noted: 12.22
